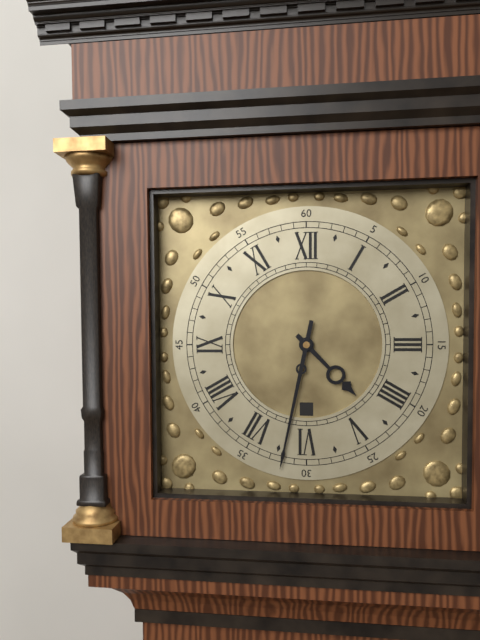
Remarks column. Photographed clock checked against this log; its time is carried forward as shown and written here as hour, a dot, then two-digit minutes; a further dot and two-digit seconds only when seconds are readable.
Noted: 4.32
